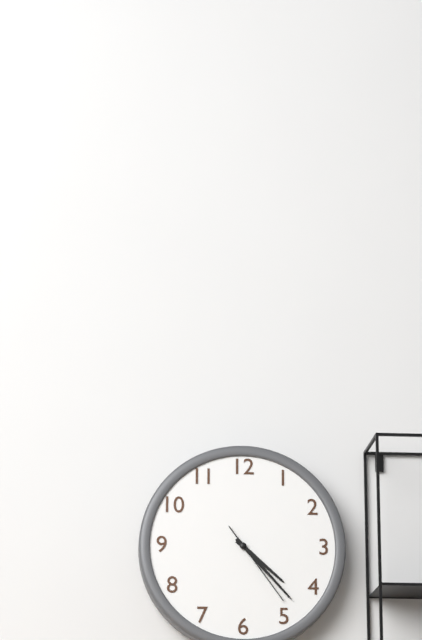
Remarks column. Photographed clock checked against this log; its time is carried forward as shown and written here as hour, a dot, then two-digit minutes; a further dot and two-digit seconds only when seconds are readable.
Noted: 4.23.24
